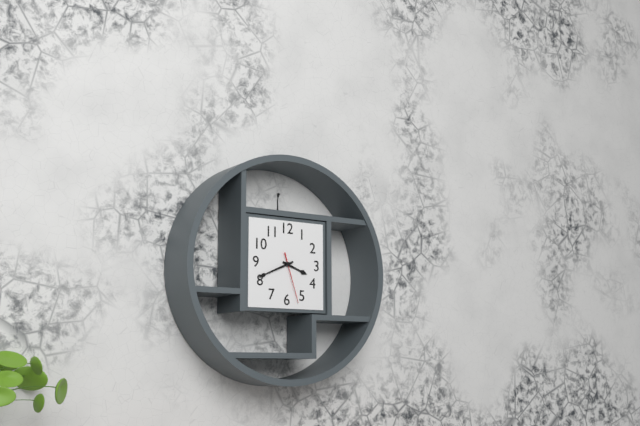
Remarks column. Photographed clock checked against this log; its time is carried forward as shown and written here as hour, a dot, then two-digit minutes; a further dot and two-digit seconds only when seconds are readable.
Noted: 3.41.27
